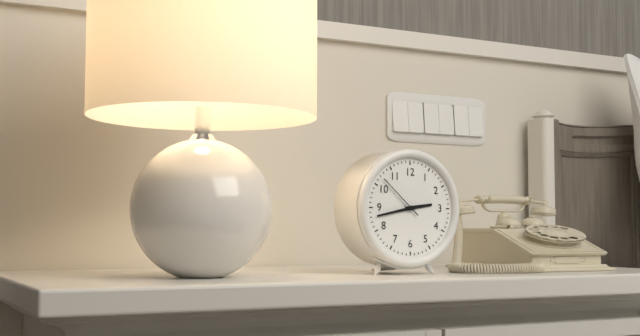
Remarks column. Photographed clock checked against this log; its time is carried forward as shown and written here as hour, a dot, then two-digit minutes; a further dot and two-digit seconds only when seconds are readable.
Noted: 2.43.52
